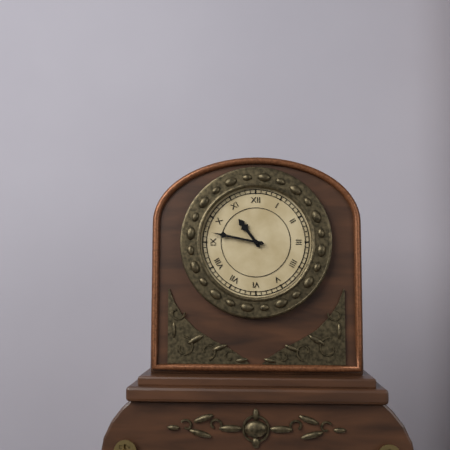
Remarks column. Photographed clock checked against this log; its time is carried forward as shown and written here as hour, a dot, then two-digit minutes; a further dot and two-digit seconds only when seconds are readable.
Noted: 10.47
